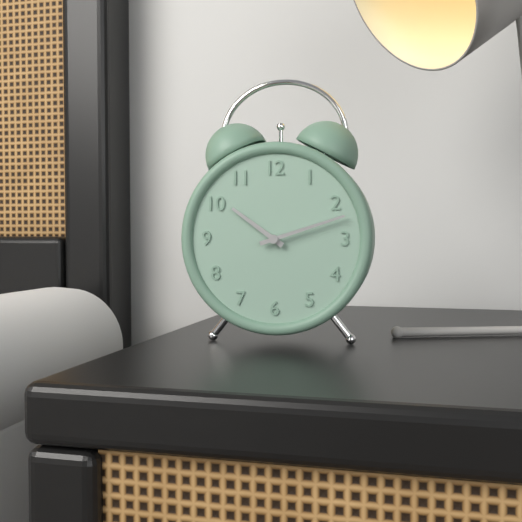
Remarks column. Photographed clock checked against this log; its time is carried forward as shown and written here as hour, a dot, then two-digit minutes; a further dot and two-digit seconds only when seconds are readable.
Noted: 10.12
